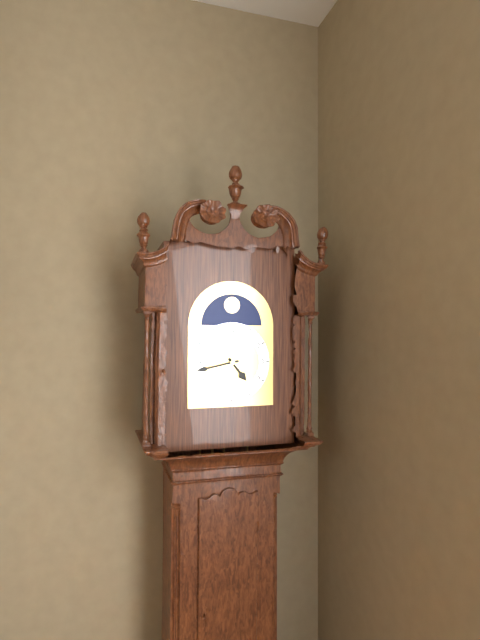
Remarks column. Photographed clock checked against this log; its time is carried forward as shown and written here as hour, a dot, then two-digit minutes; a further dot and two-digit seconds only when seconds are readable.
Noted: 4.43
